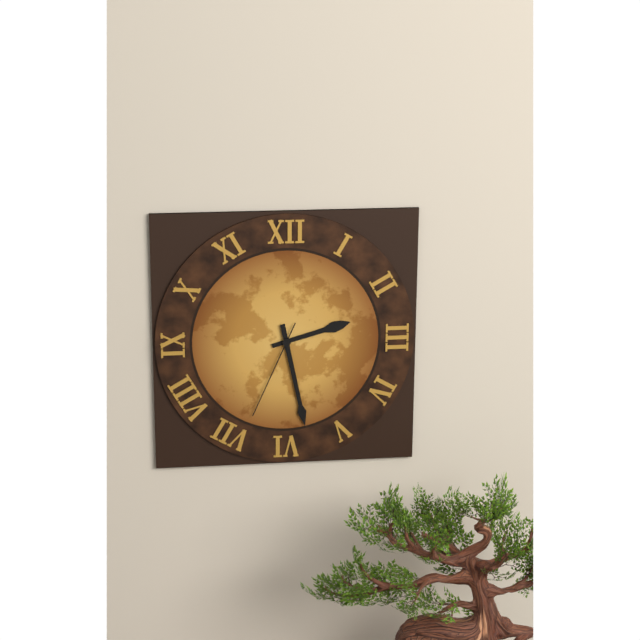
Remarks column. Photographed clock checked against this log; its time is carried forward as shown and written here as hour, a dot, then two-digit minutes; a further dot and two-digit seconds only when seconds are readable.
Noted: 2.28.34
